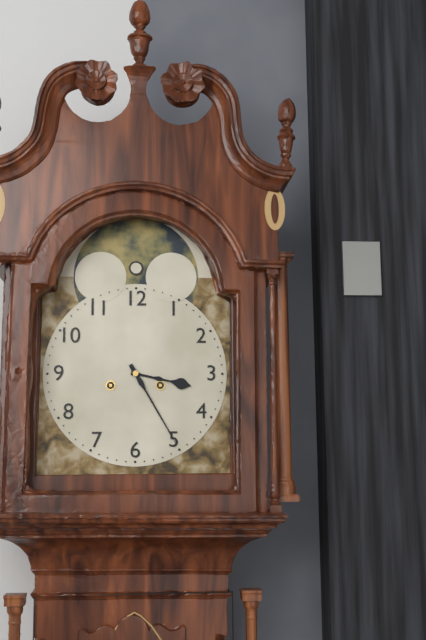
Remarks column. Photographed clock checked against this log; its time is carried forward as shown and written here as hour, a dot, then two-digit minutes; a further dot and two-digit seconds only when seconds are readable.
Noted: 3.25
